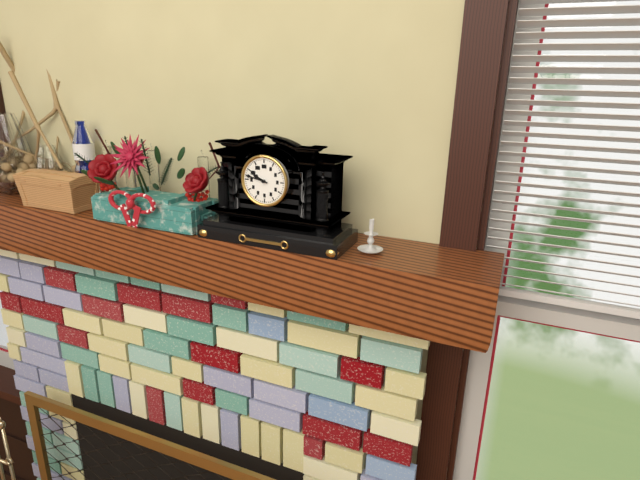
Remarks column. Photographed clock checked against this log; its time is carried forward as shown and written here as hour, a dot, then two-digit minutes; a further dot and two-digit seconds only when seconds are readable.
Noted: 9.47
